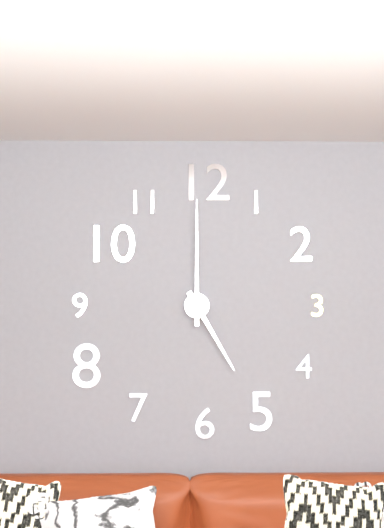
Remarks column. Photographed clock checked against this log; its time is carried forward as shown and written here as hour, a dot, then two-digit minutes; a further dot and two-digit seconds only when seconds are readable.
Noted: 5.00
